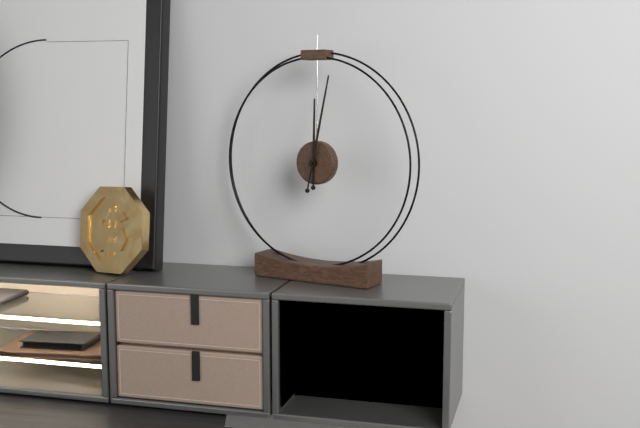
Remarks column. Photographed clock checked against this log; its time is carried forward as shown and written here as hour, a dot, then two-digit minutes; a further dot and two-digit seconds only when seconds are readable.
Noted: 12.02
